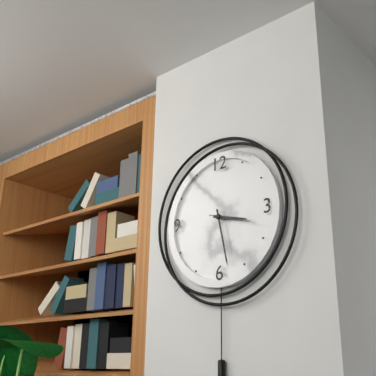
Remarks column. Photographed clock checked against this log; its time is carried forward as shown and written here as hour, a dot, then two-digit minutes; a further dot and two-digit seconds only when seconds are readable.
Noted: 3.28.18
